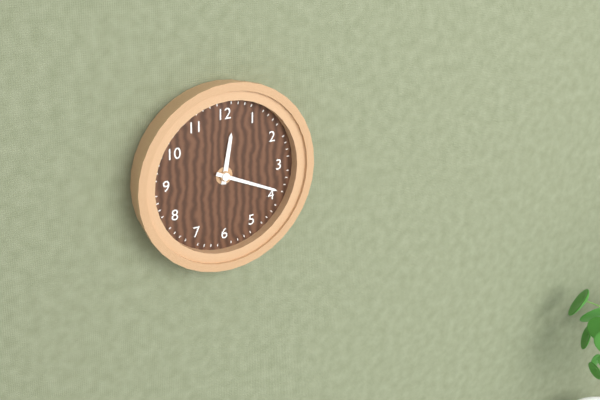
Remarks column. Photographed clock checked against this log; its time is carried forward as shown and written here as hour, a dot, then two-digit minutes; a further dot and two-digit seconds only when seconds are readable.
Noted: 12.19
